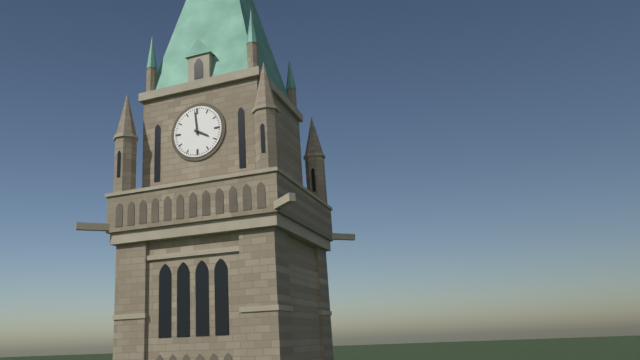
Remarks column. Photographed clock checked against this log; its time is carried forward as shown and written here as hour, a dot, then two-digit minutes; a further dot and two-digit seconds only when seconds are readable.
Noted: 3.59
